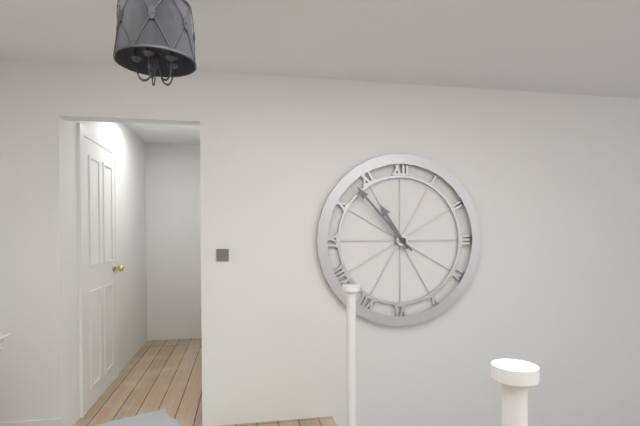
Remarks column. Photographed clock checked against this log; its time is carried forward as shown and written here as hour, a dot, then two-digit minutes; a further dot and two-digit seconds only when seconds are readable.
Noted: 10.53
